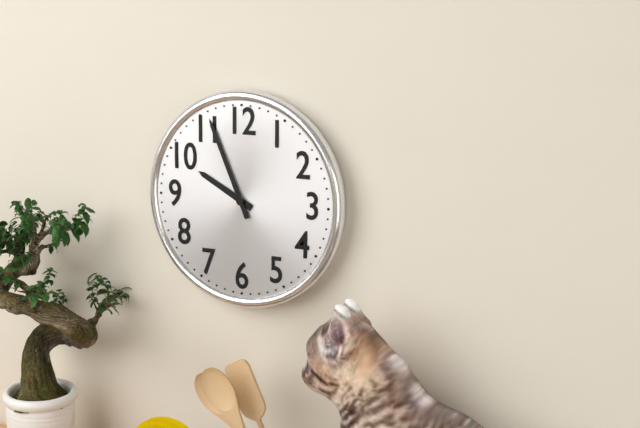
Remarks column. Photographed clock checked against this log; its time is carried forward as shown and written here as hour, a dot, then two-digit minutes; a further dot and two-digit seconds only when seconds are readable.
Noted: 9.56
